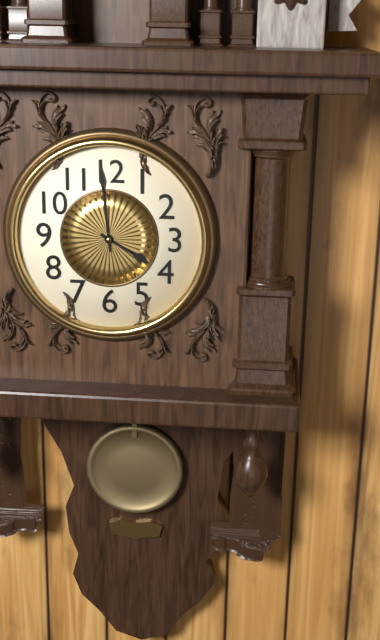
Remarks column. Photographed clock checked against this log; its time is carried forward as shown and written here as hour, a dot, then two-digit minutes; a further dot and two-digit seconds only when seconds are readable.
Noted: 3.59
